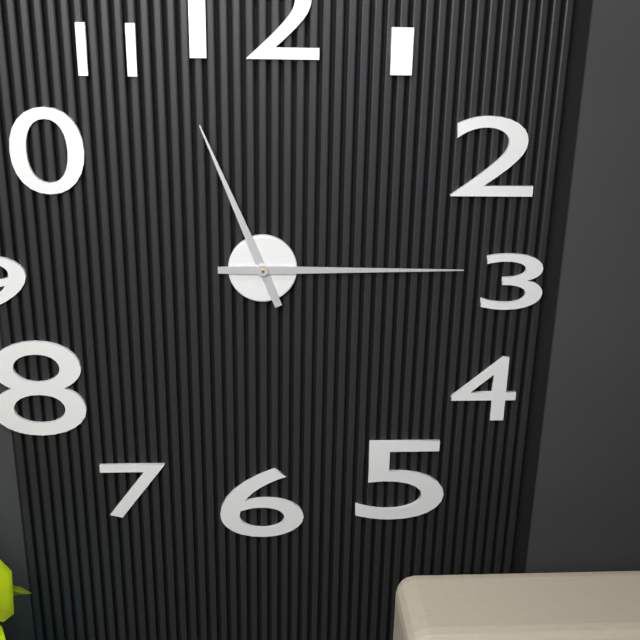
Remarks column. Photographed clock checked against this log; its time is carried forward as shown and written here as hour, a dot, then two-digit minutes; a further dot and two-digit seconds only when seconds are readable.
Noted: 11.15
